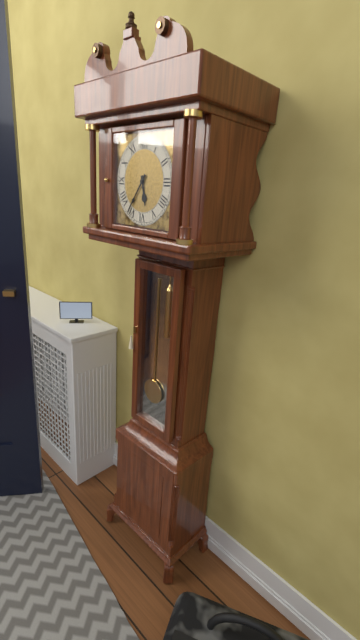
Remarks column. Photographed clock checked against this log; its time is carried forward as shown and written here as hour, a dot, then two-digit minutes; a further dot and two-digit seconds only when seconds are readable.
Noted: 5.36
